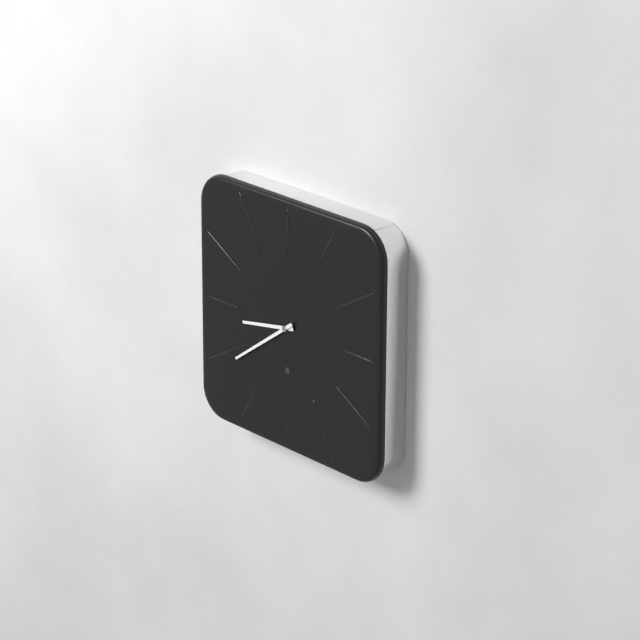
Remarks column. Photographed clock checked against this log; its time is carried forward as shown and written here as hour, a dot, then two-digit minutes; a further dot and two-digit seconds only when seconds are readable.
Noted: 8.39
